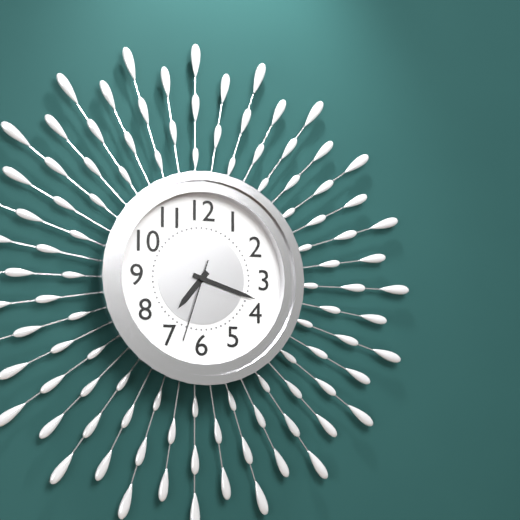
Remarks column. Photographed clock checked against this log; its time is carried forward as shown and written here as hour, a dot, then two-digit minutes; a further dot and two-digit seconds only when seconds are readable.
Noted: 7.18.33
